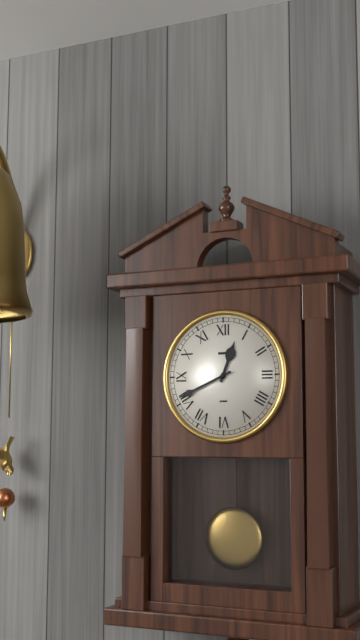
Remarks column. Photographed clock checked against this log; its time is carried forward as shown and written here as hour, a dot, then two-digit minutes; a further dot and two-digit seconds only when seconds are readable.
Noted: 12.41
